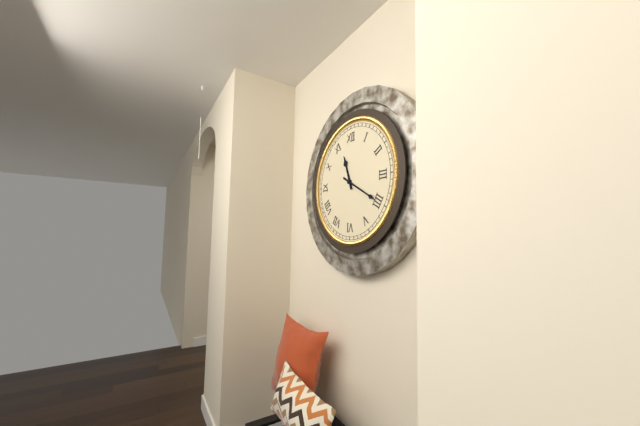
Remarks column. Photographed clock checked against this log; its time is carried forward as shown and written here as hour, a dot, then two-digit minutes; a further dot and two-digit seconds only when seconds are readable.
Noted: 11.20
